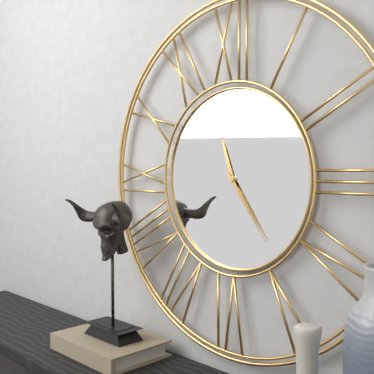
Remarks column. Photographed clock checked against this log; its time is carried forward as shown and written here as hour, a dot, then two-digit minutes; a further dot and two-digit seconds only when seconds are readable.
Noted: 11.24
